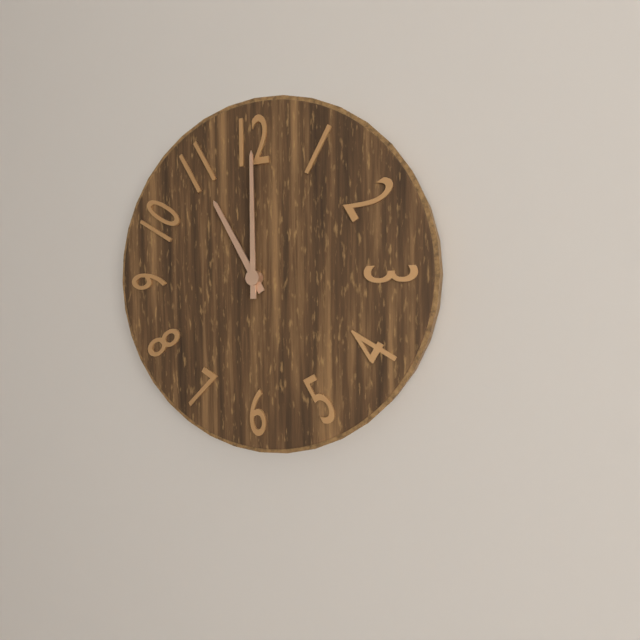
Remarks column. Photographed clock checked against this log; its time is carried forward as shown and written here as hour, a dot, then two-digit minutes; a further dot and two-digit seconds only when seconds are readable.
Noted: 11.00
